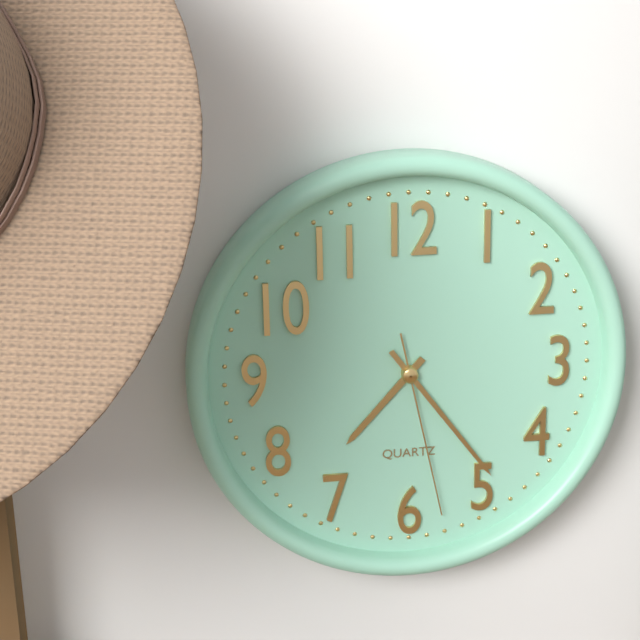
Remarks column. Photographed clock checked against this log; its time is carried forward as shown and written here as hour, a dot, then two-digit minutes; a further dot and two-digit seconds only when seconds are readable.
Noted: 7.24.28
